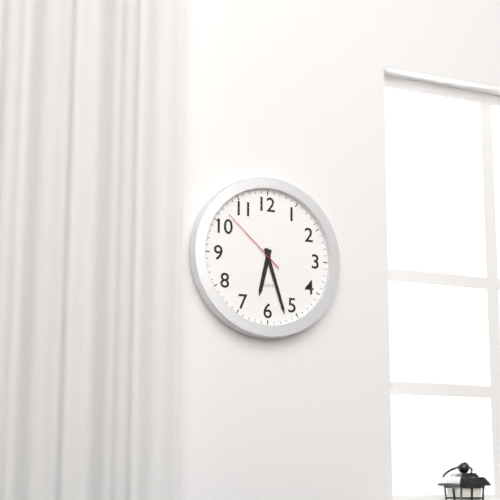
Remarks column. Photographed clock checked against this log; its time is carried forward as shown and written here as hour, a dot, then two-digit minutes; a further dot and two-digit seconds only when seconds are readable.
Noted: 6.27.52
